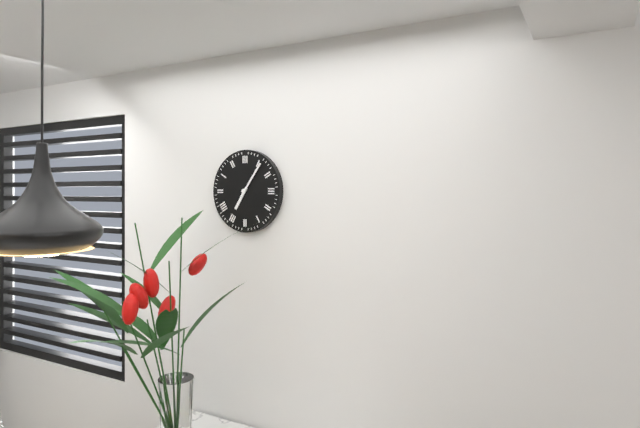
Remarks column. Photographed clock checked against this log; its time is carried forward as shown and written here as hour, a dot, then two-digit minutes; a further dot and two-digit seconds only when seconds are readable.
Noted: 7.06
